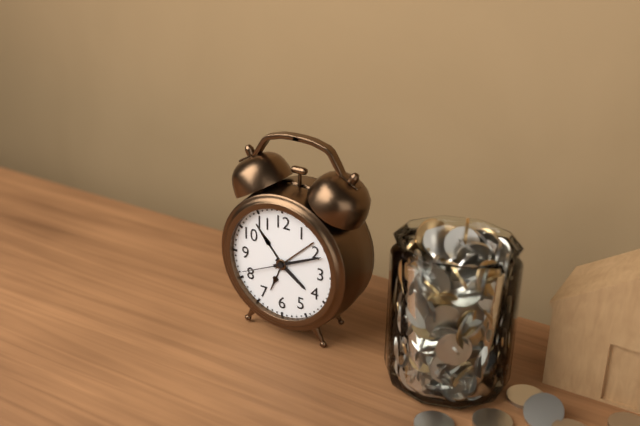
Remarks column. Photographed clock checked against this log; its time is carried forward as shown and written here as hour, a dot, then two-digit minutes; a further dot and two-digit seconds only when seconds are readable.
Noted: 4.11.41
